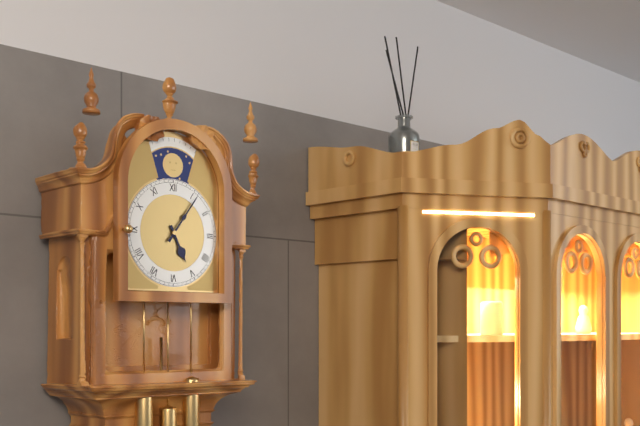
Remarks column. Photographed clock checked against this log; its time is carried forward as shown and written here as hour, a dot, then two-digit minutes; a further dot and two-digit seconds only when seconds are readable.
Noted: 5.06
